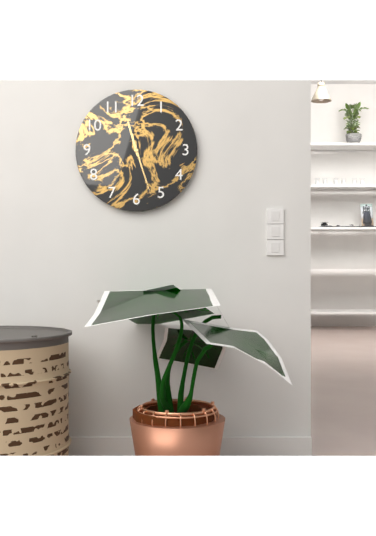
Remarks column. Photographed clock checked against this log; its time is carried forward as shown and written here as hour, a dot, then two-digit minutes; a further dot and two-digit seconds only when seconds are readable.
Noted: 11.27
